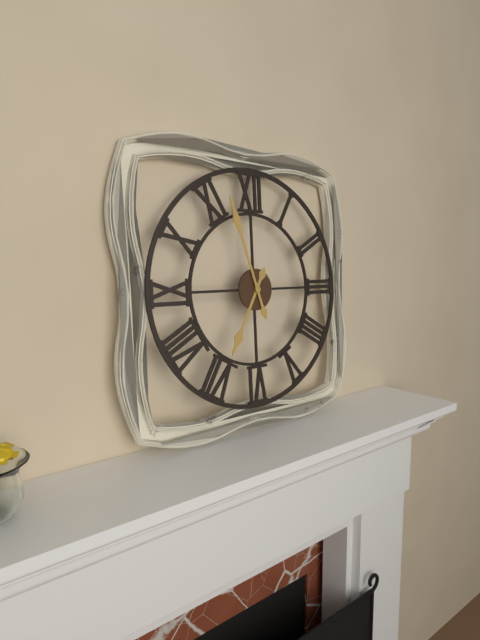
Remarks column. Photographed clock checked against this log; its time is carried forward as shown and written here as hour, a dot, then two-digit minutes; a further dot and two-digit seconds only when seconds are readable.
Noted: 6.57
